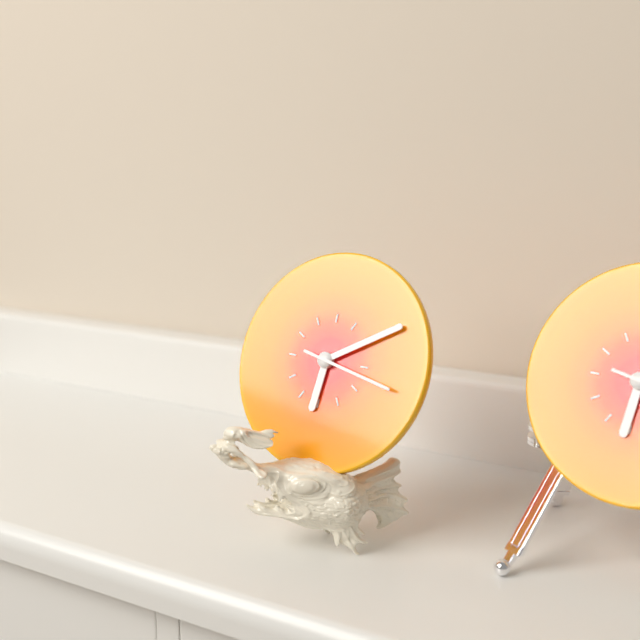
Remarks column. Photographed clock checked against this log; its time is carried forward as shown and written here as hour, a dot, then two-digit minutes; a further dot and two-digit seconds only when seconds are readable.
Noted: 6.10.17
